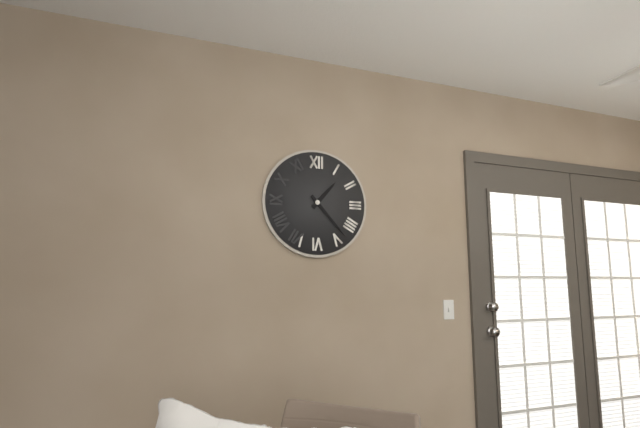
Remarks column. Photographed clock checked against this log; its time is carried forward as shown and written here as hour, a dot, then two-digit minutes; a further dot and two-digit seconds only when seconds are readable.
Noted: 1.23
